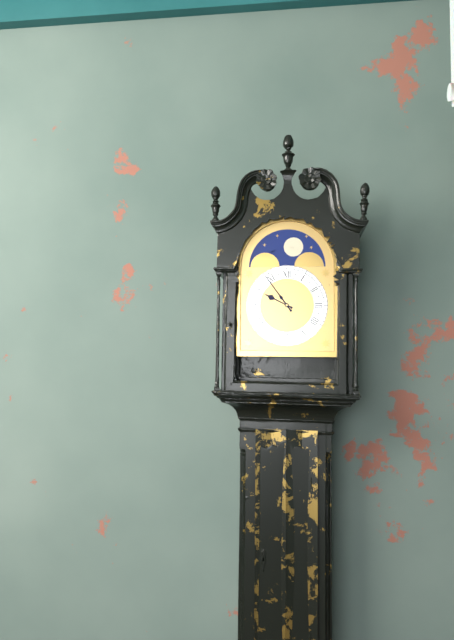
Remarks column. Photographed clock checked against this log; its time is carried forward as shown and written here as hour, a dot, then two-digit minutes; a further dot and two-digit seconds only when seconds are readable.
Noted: 9.54
